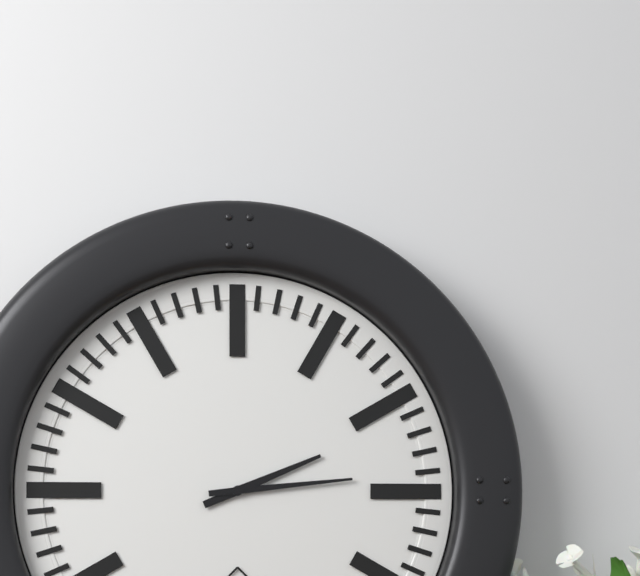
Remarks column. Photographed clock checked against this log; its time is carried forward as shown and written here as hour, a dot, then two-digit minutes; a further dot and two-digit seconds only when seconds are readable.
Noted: 2.14
